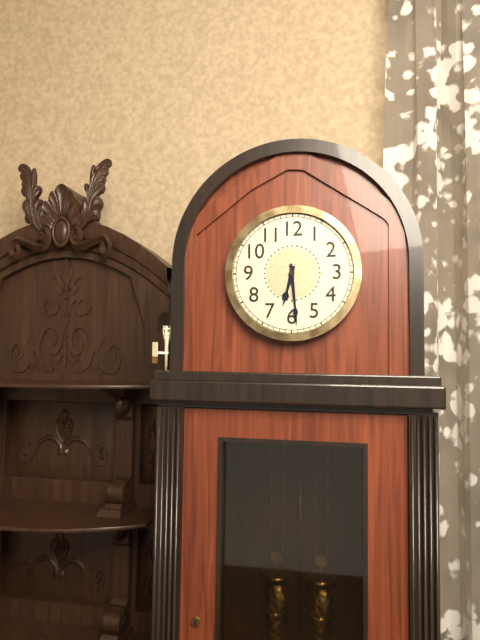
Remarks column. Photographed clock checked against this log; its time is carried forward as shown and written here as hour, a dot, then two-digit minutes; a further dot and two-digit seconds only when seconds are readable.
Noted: 6.29
